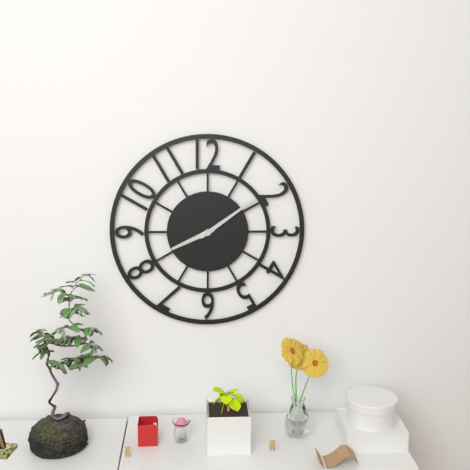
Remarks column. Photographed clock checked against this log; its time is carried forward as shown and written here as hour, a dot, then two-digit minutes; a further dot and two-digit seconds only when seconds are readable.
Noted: 8.09
